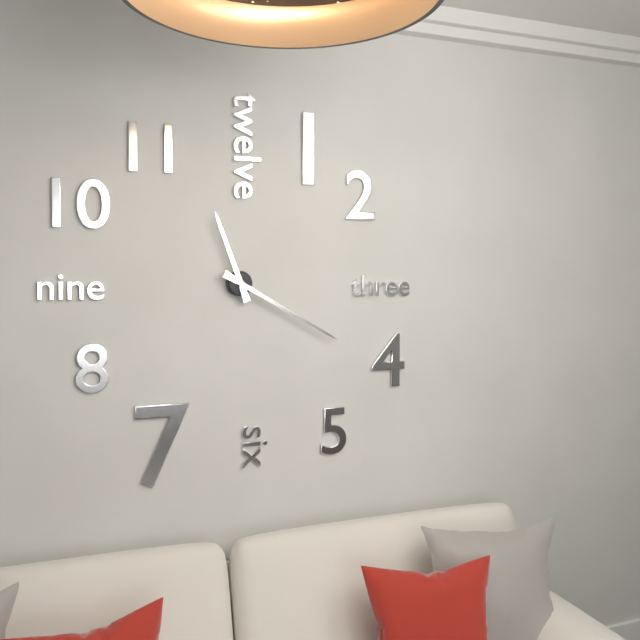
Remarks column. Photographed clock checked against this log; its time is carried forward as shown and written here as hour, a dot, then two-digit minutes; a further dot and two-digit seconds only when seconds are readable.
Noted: 11.20
